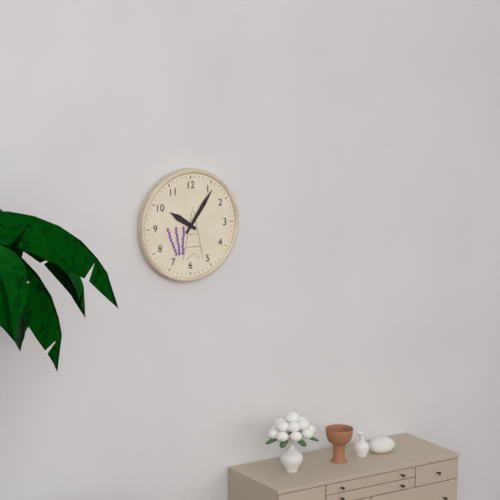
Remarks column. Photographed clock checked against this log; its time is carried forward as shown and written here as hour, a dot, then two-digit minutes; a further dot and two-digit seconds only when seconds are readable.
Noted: 10.06
